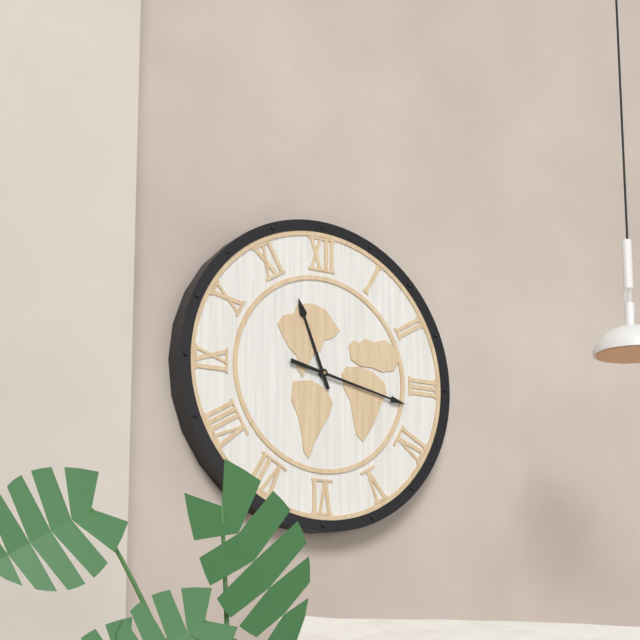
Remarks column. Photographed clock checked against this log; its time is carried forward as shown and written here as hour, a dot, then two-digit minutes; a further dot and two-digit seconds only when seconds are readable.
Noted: 11.17
